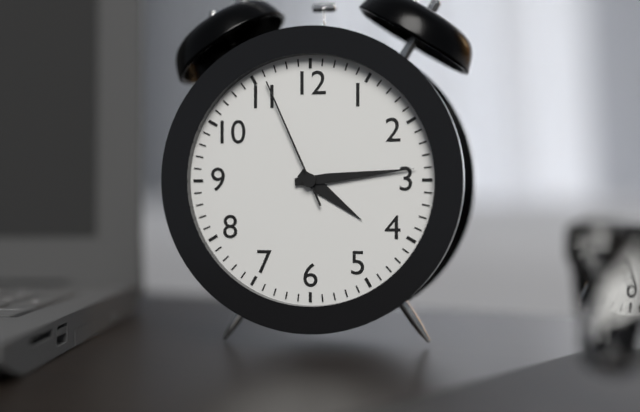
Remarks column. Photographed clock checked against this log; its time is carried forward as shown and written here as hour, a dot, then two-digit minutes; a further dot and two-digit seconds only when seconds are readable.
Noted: 4.14.56
